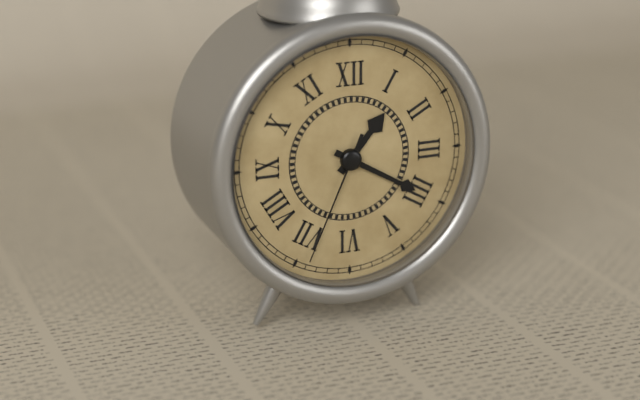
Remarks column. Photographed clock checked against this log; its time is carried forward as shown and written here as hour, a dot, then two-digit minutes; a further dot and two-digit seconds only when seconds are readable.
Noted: 1.20.34
